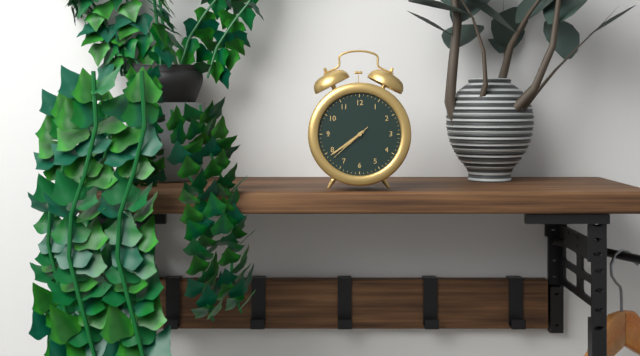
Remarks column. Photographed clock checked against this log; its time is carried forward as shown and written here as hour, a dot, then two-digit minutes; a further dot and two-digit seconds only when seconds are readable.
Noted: 7.39
